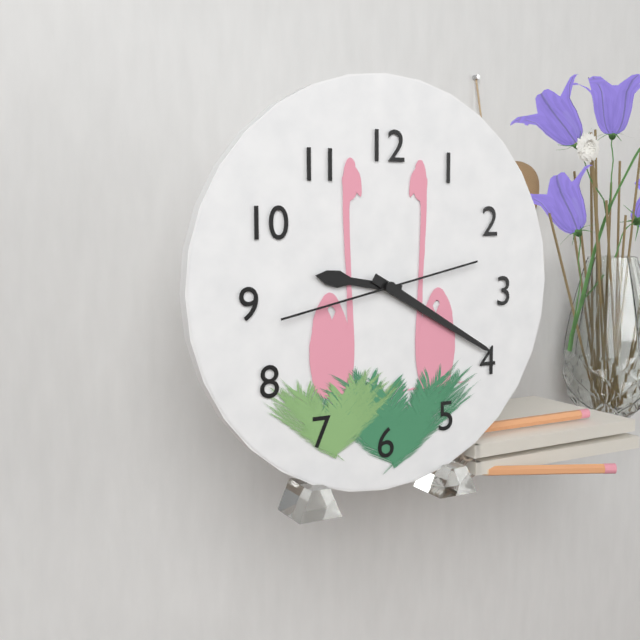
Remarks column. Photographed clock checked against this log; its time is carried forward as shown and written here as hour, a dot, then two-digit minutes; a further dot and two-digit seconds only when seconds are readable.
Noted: 9.20.43
